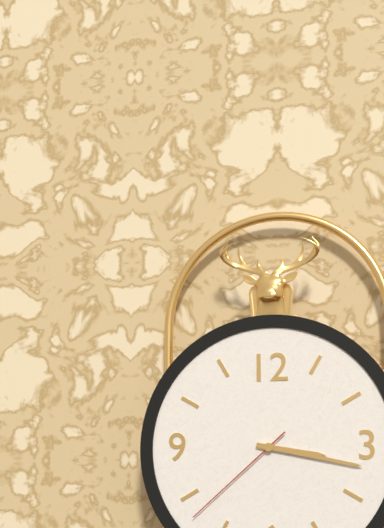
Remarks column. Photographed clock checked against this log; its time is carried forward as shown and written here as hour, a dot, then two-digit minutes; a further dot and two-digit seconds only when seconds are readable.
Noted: 3.17.38
